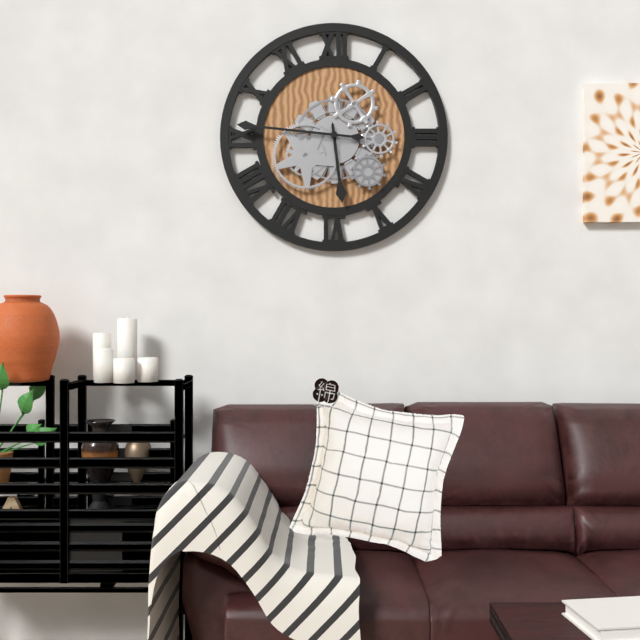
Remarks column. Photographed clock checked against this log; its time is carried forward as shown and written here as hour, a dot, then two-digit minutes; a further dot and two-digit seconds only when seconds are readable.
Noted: 5.46
